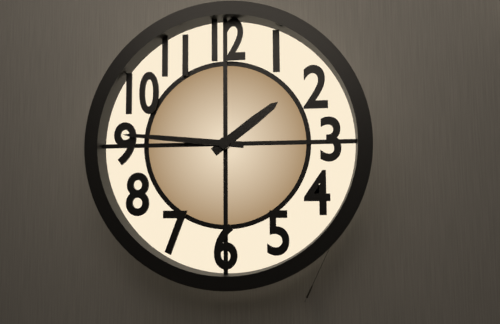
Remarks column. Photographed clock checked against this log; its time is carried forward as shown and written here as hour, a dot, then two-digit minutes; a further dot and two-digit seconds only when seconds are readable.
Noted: 1.46
